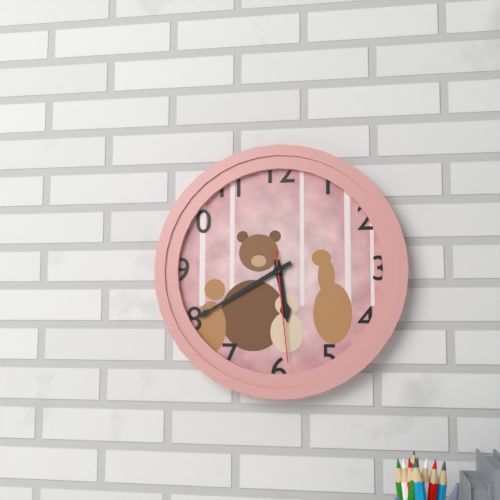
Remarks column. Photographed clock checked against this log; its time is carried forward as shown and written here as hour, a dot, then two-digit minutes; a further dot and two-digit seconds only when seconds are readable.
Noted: 5.40.29
